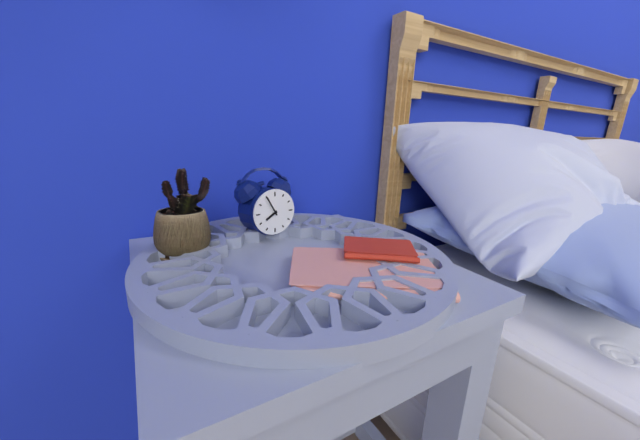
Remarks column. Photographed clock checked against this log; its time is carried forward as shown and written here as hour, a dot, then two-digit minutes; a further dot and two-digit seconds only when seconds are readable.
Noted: 7.55
